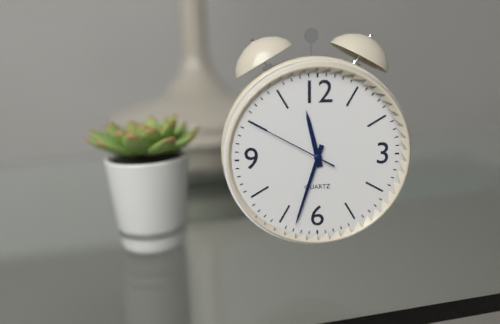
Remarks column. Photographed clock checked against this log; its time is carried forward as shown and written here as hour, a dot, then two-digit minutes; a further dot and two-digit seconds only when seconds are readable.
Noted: 11.33.50
